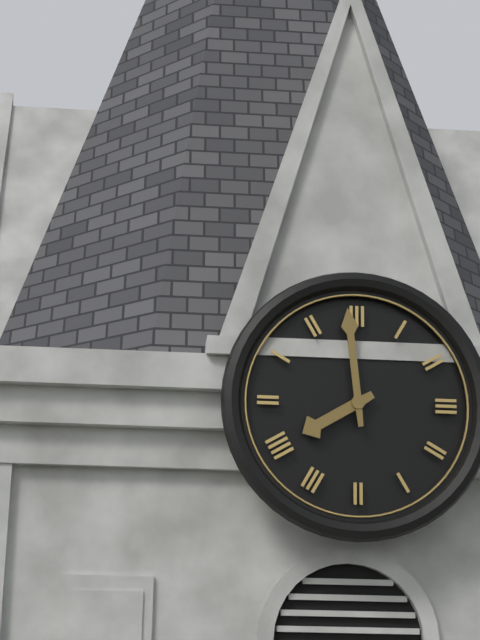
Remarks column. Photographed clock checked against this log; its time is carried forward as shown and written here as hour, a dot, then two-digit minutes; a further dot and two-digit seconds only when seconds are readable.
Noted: 7.59
